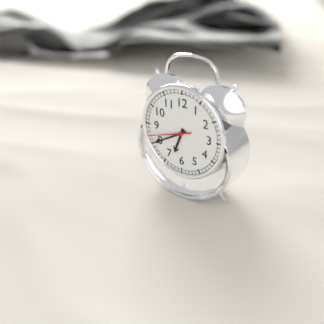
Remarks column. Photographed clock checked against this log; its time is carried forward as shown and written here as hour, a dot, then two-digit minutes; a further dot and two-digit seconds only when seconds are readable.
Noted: 6.40
